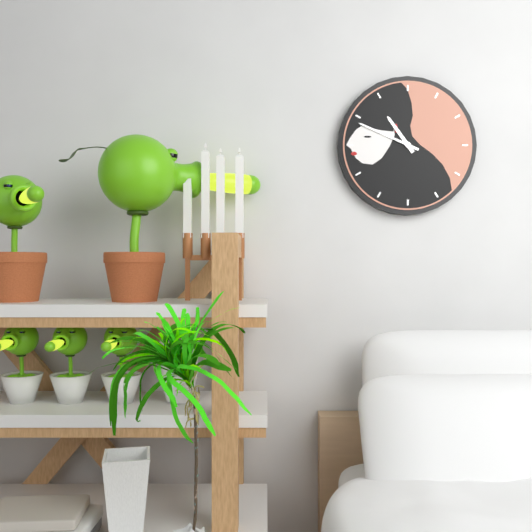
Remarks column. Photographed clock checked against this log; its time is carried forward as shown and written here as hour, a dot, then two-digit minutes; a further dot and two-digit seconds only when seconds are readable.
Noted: 10.49
